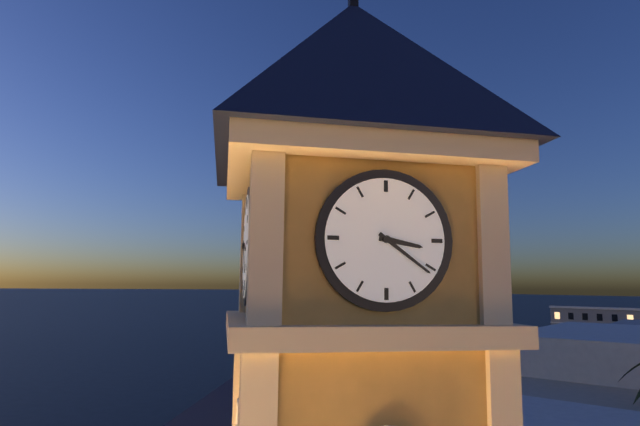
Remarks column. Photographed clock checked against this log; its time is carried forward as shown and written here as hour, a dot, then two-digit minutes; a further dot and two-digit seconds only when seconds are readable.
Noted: 3.21
